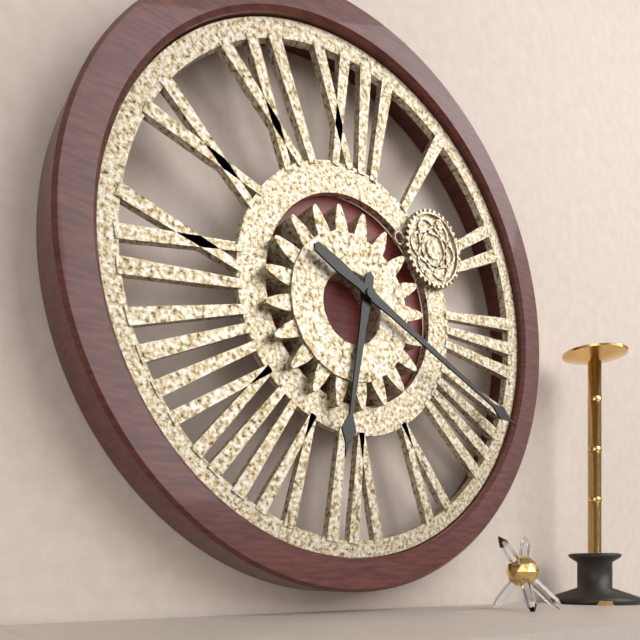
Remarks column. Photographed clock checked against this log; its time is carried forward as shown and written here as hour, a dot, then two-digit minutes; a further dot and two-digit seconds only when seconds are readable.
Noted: 6.19
